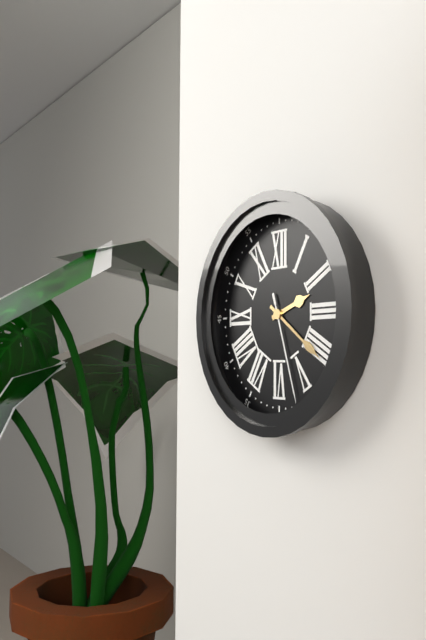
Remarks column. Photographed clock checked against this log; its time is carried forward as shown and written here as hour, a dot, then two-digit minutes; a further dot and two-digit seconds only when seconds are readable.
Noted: 2.21.27
